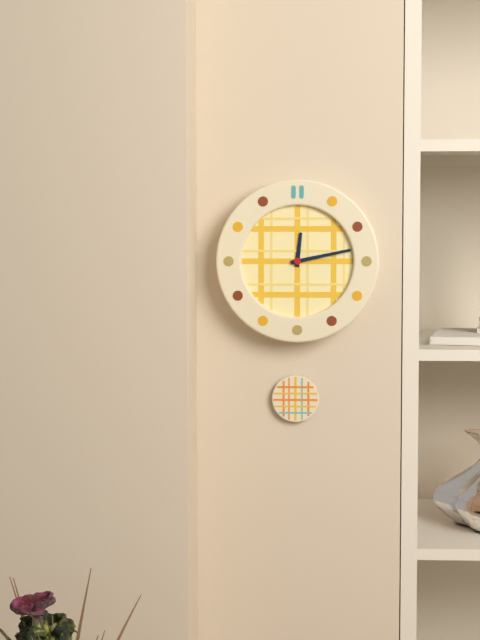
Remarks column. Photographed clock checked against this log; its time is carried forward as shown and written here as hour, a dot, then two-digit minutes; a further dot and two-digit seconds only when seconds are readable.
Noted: 12.13
